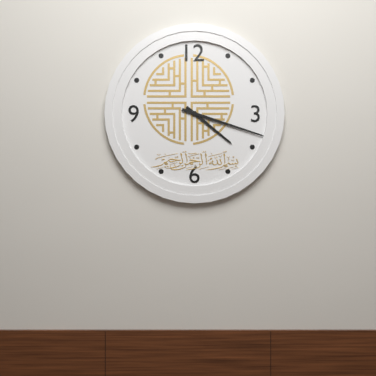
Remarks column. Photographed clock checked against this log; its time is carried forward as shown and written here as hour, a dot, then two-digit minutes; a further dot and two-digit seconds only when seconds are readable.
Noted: 4.18
